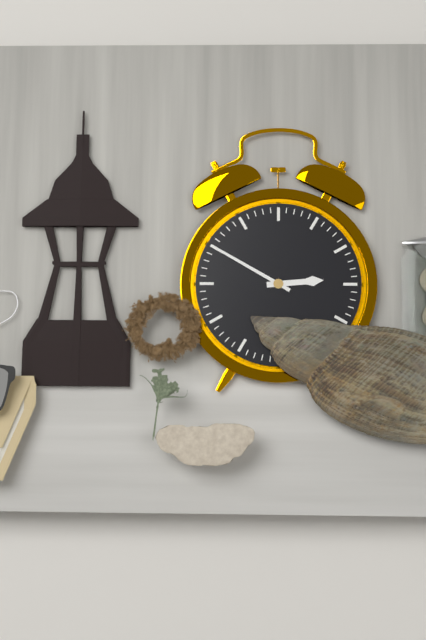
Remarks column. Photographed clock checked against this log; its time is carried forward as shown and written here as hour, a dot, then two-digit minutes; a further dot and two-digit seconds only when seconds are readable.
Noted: 2.50
